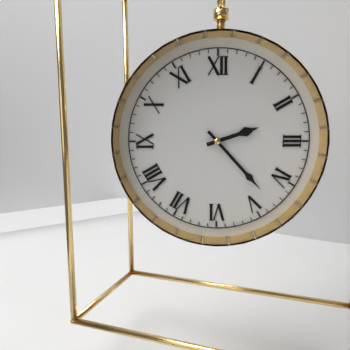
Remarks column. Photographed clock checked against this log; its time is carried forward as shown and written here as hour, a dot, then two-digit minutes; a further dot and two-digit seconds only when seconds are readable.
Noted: 2.23
